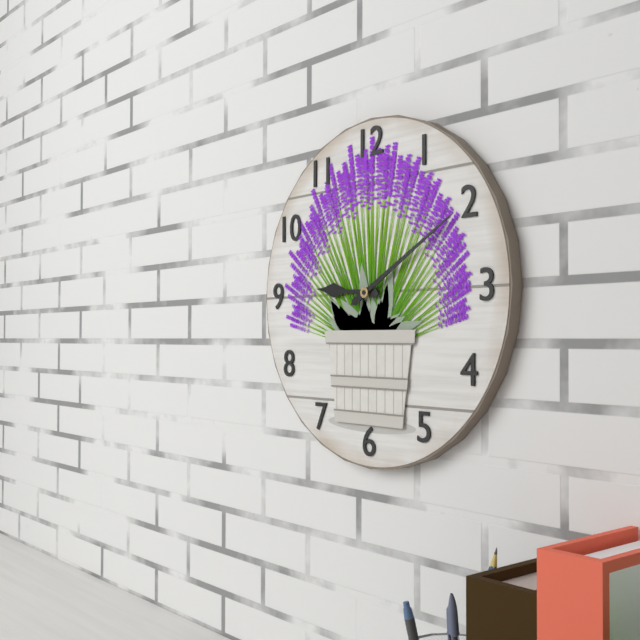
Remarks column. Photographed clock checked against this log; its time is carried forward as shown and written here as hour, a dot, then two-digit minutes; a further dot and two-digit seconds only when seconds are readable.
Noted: 9.10
